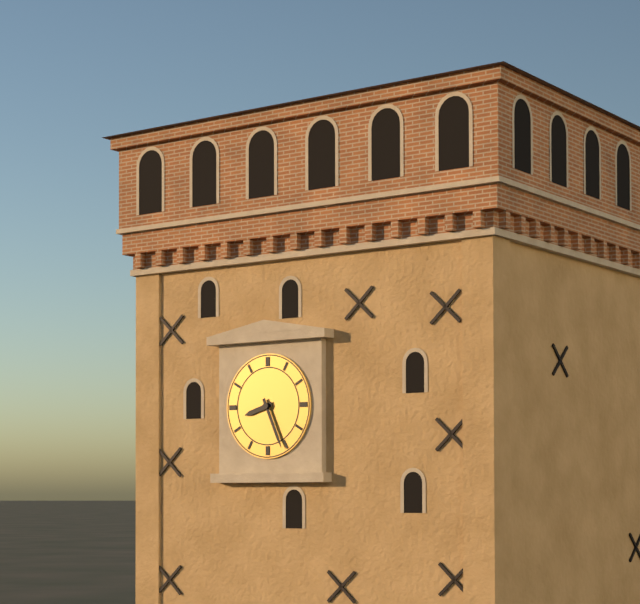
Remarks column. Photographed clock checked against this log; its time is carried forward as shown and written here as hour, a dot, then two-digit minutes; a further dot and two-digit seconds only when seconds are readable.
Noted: 8.26
